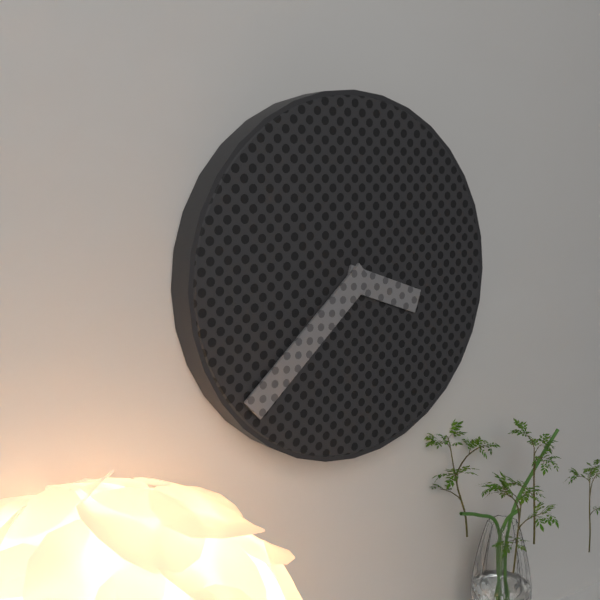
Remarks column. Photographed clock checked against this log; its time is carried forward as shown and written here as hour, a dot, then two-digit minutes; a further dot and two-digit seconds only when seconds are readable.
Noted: 3.38
